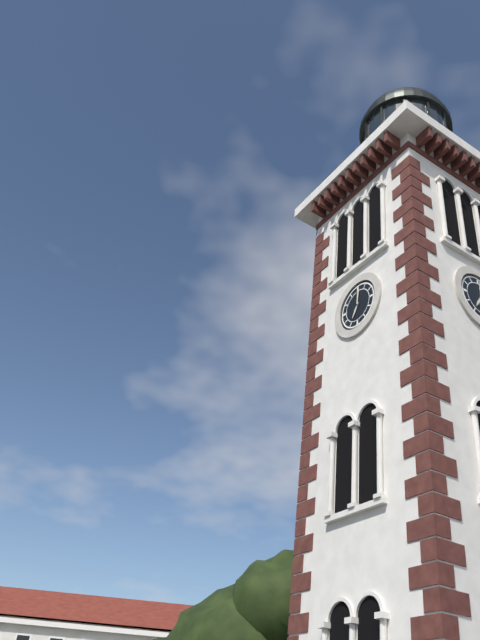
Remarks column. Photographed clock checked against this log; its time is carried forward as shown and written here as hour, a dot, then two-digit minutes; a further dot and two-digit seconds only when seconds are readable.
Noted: 7.01
